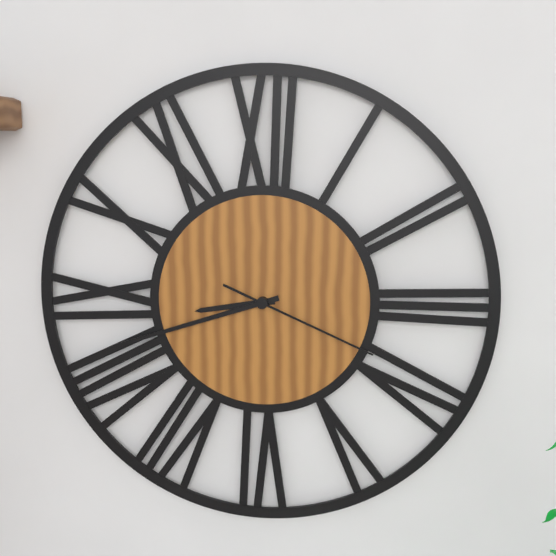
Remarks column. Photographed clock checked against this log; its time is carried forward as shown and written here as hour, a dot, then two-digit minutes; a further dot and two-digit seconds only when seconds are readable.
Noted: 8.42.19
